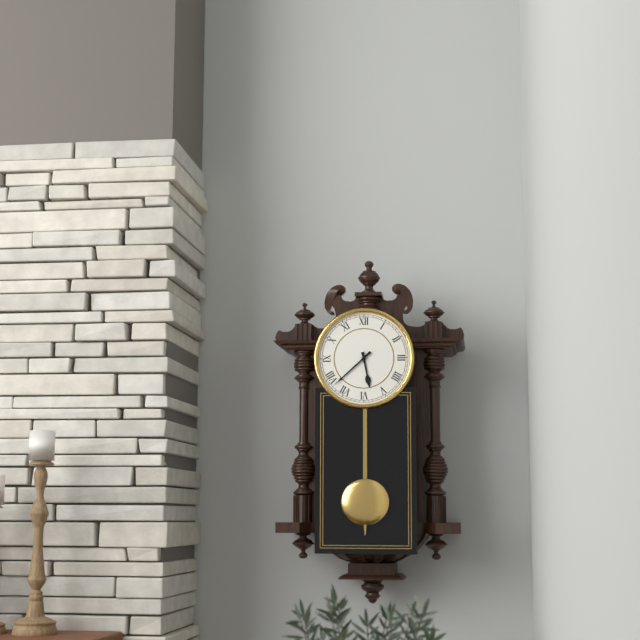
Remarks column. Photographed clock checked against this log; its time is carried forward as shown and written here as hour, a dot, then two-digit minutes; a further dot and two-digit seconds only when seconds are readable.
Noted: 5.38
